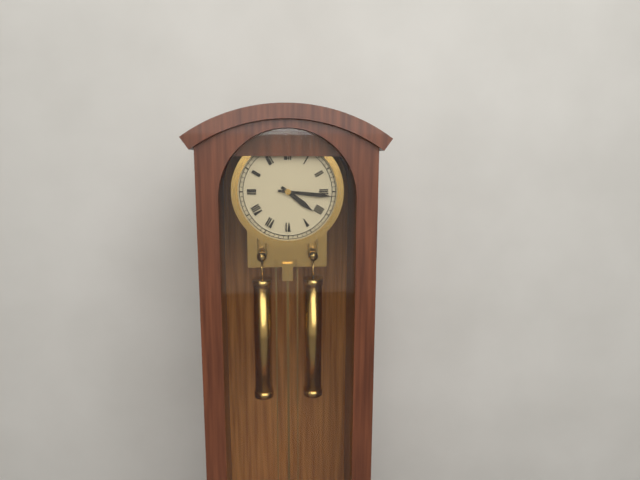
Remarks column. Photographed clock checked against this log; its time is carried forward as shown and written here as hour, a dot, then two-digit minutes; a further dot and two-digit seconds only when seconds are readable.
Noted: 4.16
